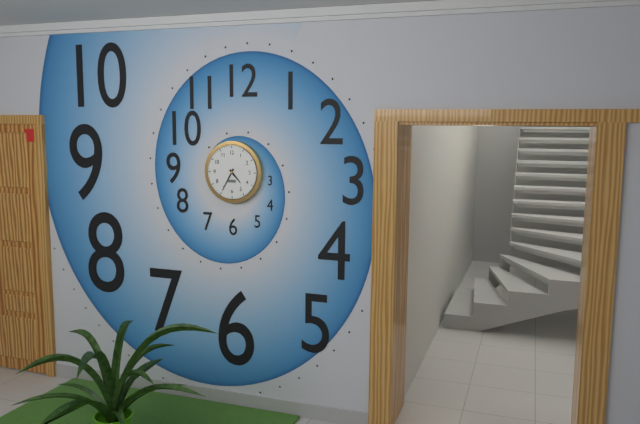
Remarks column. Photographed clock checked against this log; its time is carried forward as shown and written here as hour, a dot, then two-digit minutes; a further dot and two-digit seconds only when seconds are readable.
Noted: 4.35
